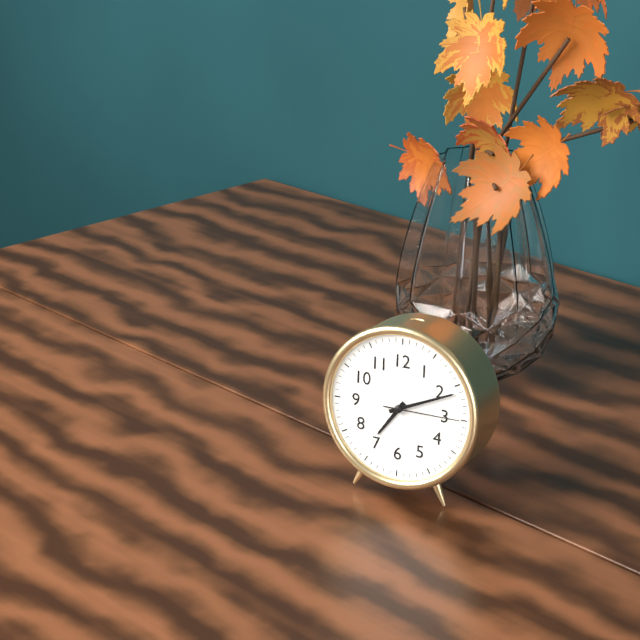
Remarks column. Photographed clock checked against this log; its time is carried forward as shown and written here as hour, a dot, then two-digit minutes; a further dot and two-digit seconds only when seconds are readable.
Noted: 7.11.15
